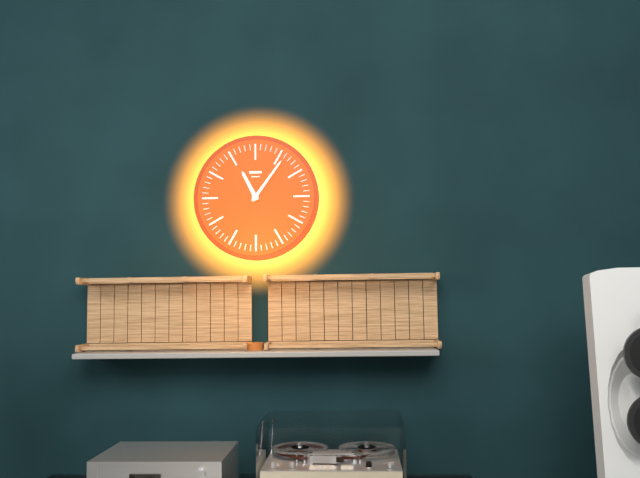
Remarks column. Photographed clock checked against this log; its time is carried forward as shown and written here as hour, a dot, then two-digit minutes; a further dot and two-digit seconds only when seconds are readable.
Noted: 11.06
